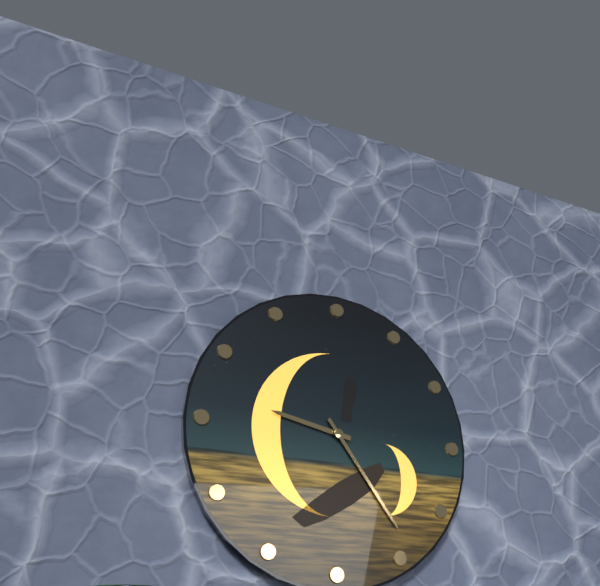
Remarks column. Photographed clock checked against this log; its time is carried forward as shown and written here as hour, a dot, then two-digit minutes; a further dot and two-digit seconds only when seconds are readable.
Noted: 9.24
